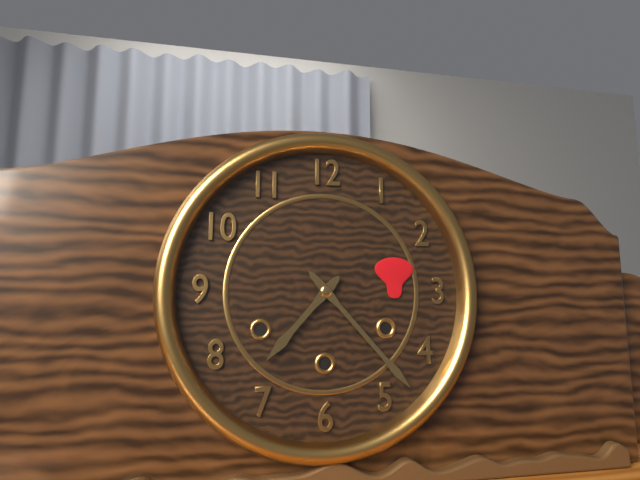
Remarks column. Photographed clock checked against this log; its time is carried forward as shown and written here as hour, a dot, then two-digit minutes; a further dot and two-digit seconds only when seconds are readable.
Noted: 7.23
